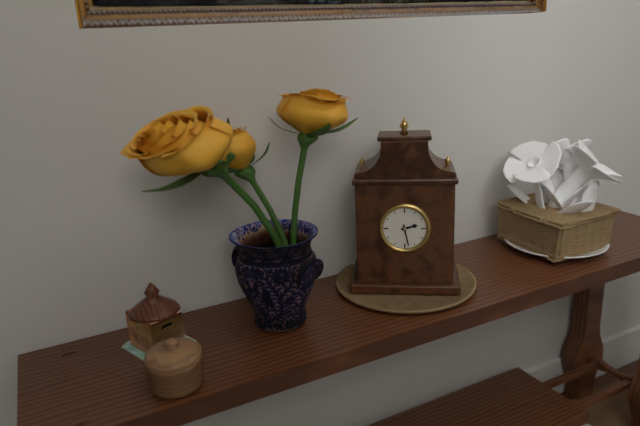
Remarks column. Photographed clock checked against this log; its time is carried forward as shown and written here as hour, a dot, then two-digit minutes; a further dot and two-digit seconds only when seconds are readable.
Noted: 2.28
